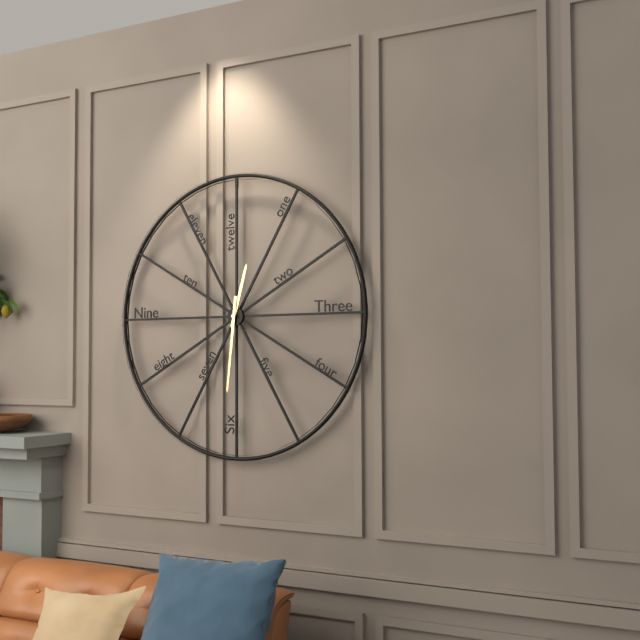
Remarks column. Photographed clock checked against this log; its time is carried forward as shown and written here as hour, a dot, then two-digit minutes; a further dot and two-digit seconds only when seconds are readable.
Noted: 12.31
